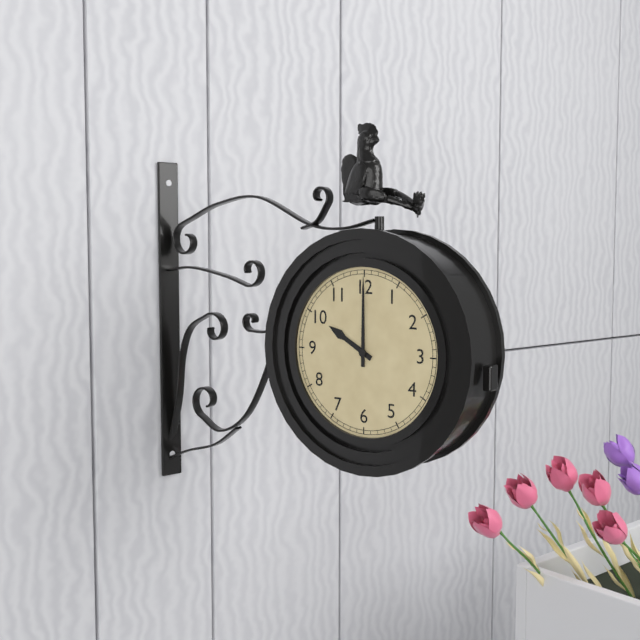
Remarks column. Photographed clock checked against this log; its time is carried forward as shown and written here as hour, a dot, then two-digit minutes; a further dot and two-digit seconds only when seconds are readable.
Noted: 10.00
